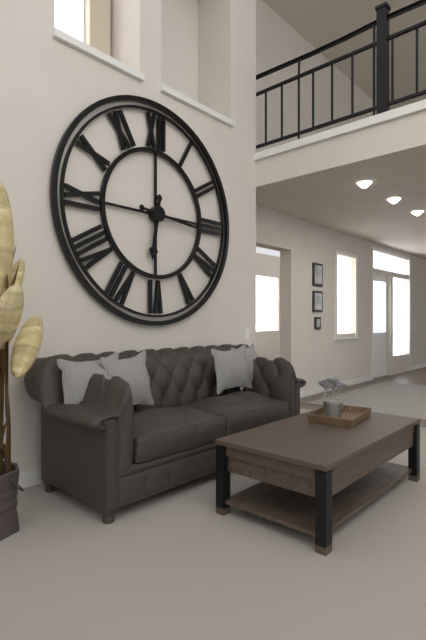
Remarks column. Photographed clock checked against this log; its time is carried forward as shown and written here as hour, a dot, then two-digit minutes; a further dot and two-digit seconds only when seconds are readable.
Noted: 6.16
